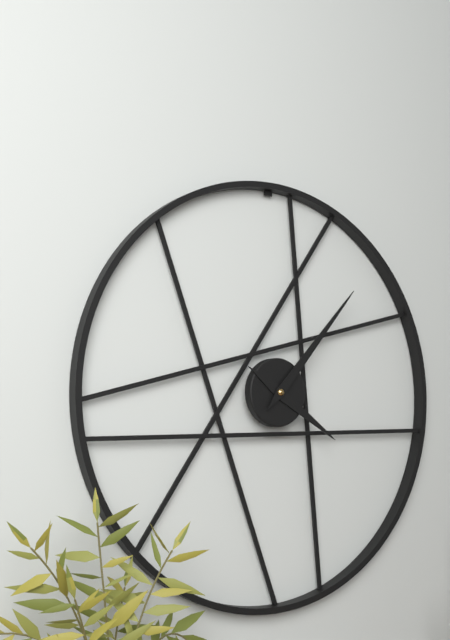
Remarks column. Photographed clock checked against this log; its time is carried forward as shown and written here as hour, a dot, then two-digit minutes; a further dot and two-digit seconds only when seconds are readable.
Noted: 4.07
